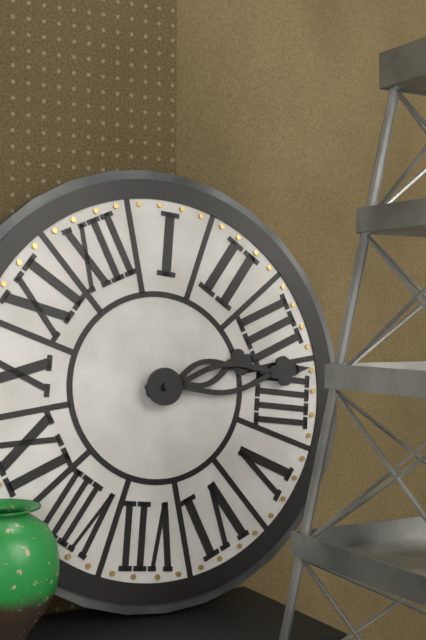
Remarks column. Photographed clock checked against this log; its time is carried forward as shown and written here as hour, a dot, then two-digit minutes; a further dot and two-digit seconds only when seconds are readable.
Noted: 3.18
